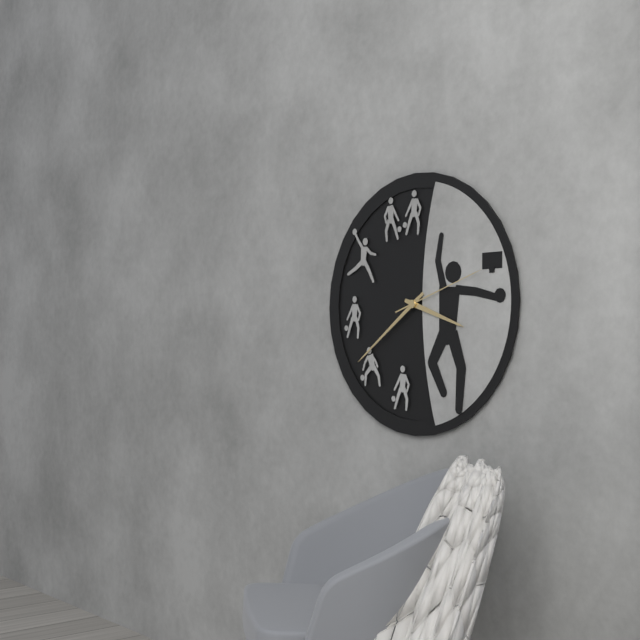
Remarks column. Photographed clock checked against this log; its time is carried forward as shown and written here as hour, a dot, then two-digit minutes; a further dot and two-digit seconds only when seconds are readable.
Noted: 3.39.12
